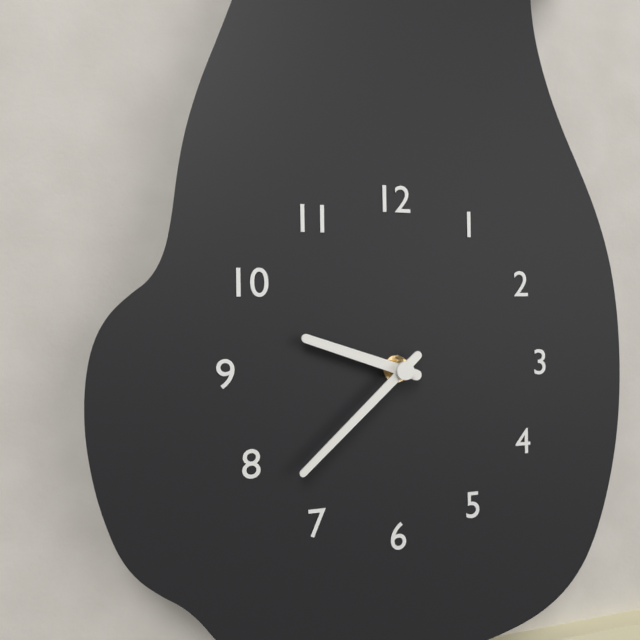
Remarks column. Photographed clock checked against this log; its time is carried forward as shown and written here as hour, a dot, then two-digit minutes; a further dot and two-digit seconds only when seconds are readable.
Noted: 9.38
